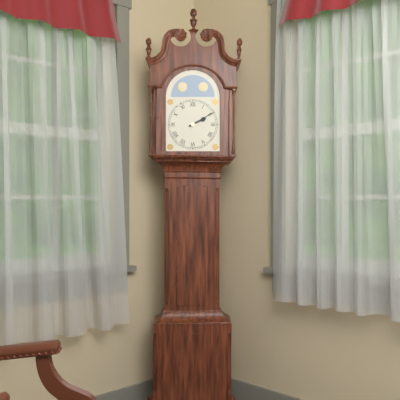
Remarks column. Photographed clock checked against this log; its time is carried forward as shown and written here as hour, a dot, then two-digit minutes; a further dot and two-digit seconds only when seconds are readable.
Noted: 2.10
